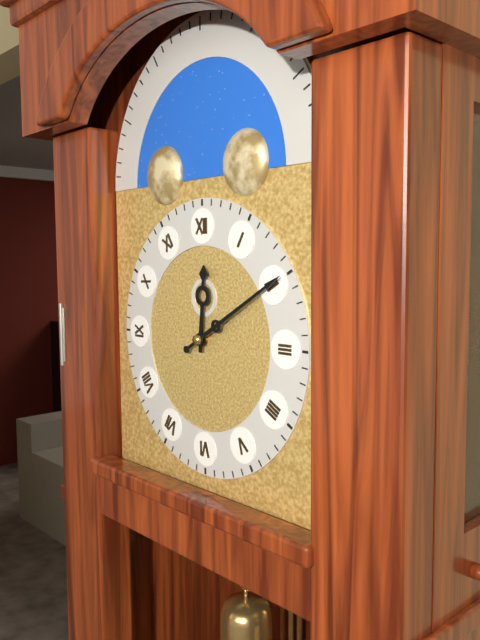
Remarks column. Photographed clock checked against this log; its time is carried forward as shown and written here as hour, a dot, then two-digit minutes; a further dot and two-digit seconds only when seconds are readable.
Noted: 12.10
